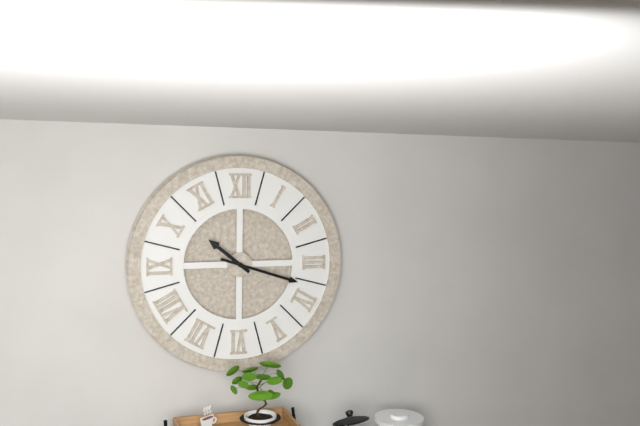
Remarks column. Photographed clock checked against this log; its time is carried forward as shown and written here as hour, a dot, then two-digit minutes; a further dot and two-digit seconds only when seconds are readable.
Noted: 10.18
